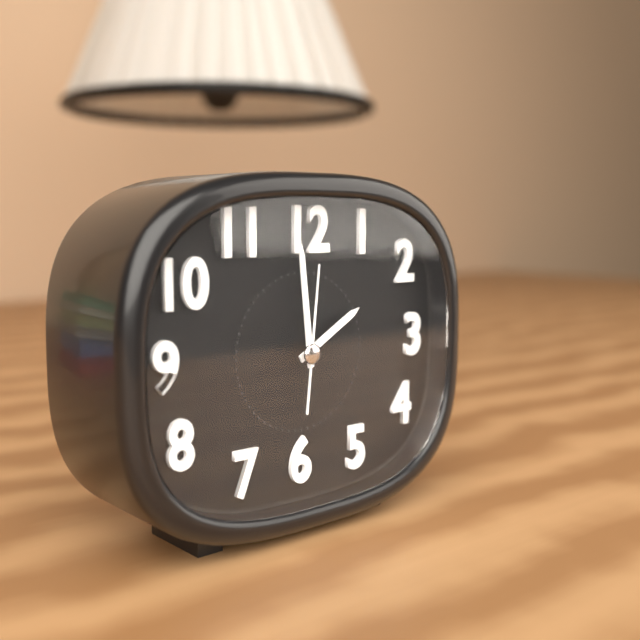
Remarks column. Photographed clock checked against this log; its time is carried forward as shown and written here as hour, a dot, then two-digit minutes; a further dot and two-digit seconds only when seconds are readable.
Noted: 1.59.01
